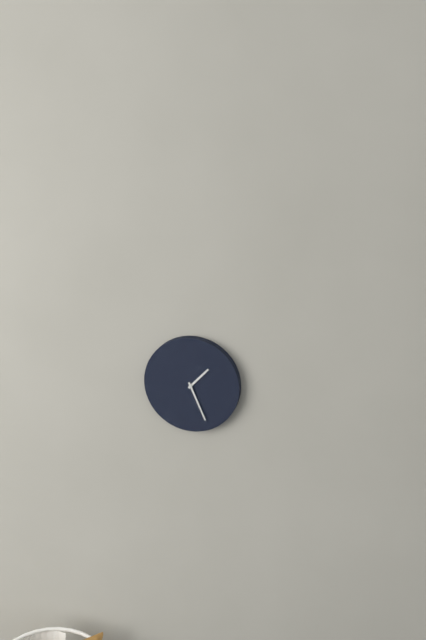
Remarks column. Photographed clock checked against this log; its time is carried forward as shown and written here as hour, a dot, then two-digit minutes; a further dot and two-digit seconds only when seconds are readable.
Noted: 1.26
